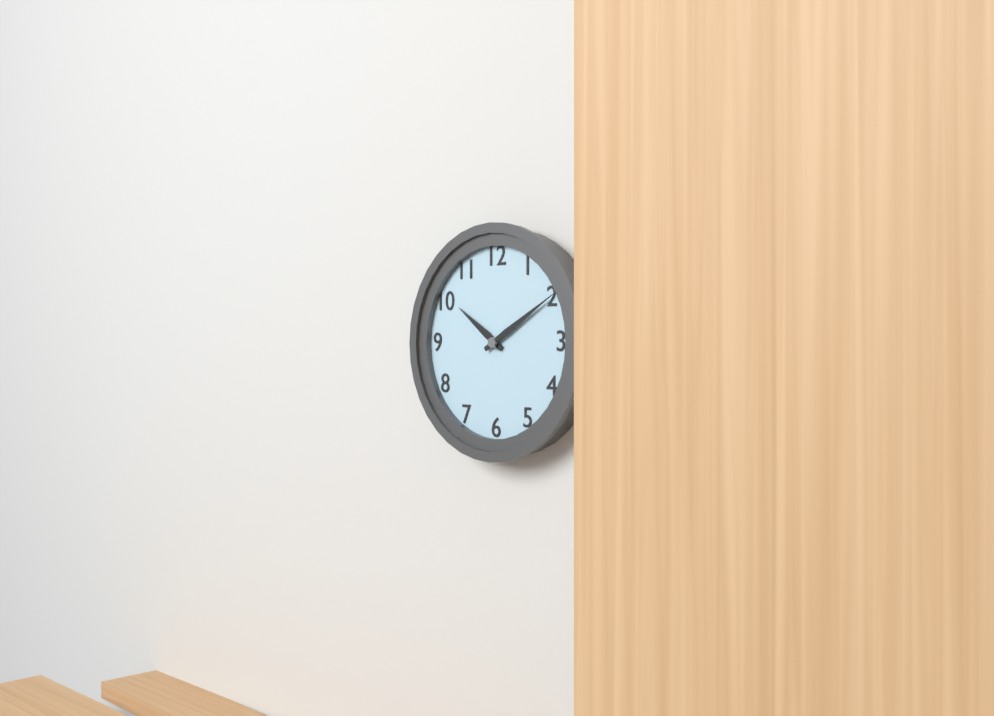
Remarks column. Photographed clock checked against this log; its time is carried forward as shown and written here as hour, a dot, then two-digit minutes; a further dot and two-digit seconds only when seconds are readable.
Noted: 10.10
